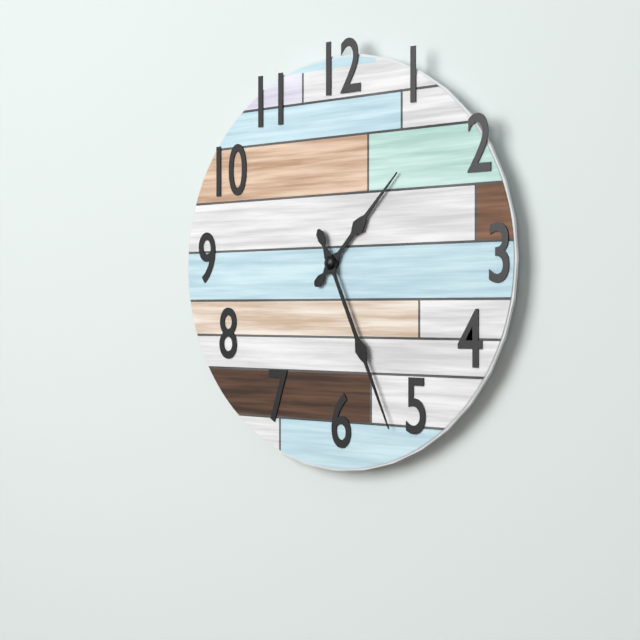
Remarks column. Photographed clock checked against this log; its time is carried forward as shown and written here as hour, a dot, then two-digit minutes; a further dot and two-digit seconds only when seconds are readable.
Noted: 1.26
